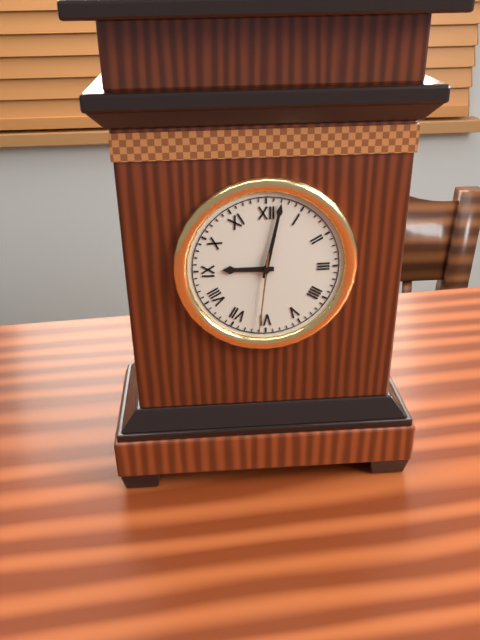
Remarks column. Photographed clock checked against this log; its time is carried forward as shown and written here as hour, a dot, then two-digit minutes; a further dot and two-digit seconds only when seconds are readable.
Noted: 9.02.31
